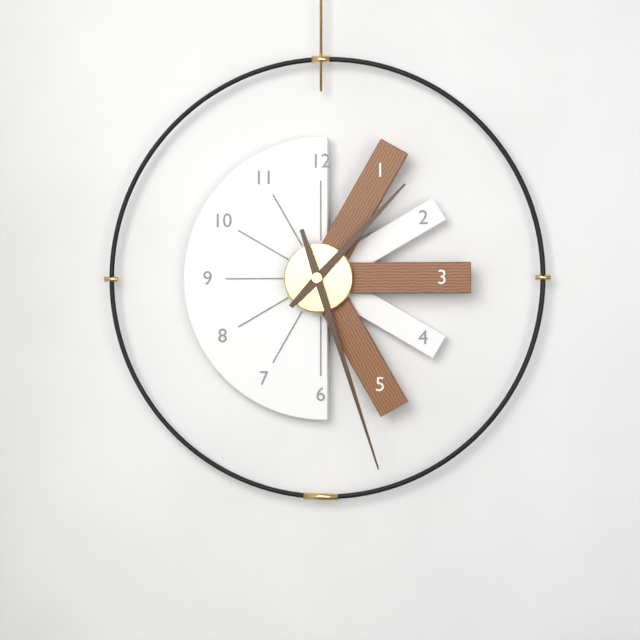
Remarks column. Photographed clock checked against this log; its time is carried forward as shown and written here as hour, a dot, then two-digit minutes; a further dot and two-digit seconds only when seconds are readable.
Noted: 1.27
